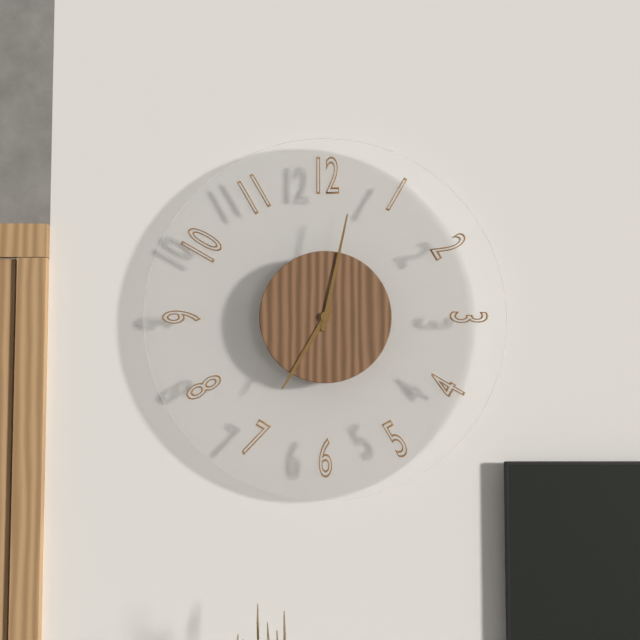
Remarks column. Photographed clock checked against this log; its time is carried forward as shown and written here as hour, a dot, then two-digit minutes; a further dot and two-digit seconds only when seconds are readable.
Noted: 7.02
